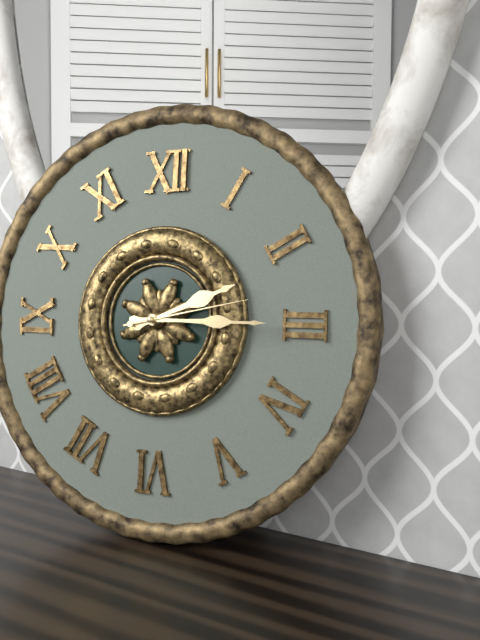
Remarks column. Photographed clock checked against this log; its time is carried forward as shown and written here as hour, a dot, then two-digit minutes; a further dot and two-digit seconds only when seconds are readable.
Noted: 2.15.13
